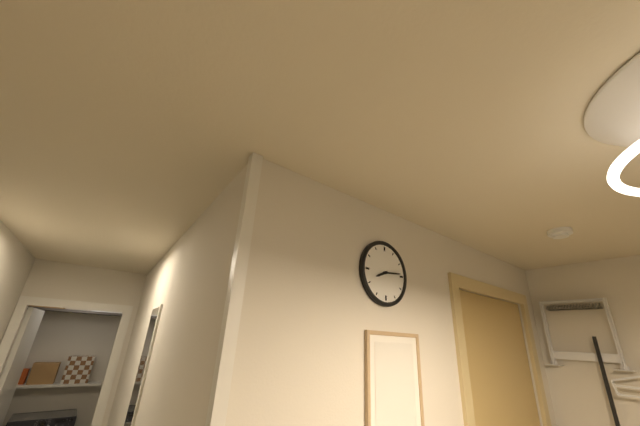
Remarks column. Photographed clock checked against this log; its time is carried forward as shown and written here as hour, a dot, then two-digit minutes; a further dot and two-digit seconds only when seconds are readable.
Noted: 8.14
